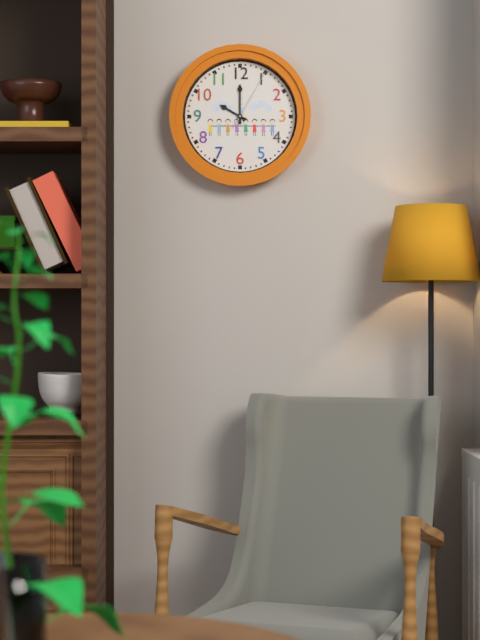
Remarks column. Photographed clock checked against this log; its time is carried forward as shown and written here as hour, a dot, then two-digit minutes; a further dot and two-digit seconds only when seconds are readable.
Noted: 10.00.05
